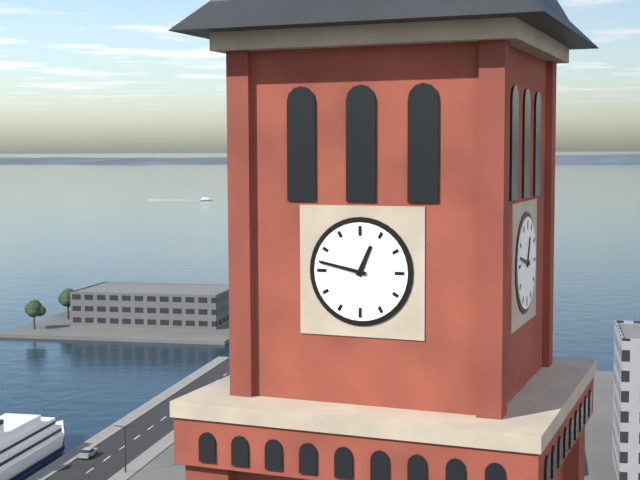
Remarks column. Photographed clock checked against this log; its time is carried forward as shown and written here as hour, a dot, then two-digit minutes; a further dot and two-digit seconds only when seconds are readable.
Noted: 12.47
